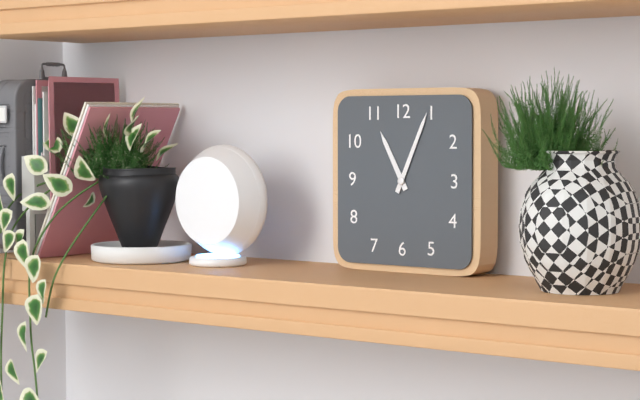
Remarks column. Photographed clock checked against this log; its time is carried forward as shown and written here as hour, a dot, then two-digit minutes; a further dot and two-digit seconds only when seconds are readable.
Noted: 11.04
